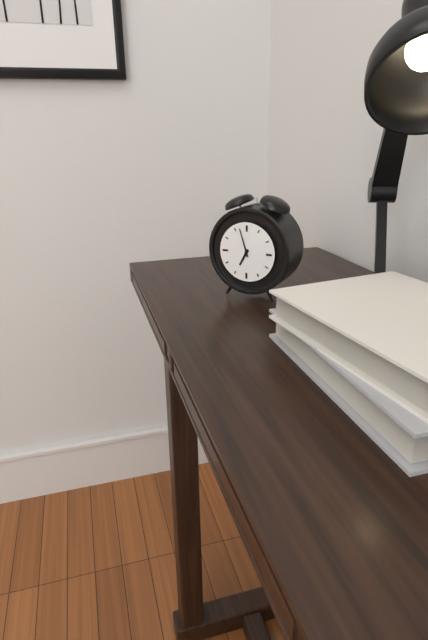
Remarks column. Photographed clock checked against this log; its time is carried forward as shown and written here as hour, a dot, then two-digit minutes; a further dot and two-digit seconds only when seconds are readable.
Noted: 6.57
